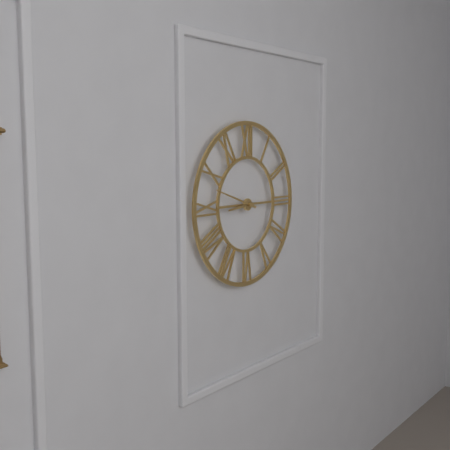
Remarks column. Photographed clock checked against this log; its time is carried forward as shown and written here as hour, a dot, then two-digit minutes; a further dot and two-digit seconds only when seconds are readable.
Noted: 8.48
